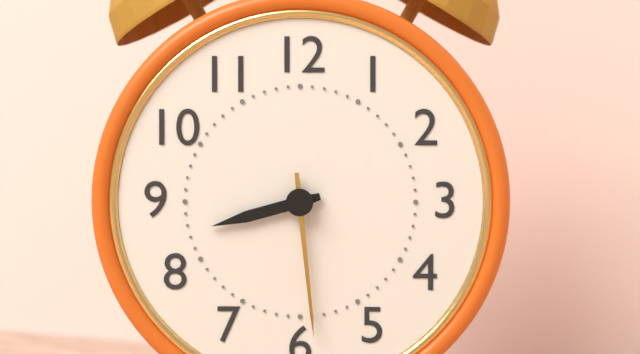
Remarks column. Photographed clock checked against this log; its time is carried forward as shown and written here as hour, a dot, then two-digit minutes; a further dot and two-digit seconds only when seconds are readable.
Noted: 8.29
